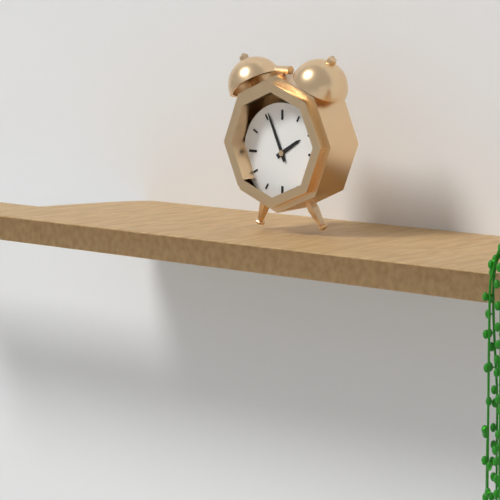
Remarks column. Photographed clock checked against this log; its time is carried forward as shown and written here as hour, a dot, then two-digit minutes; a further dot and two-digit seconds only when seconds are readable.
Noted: 1.56
